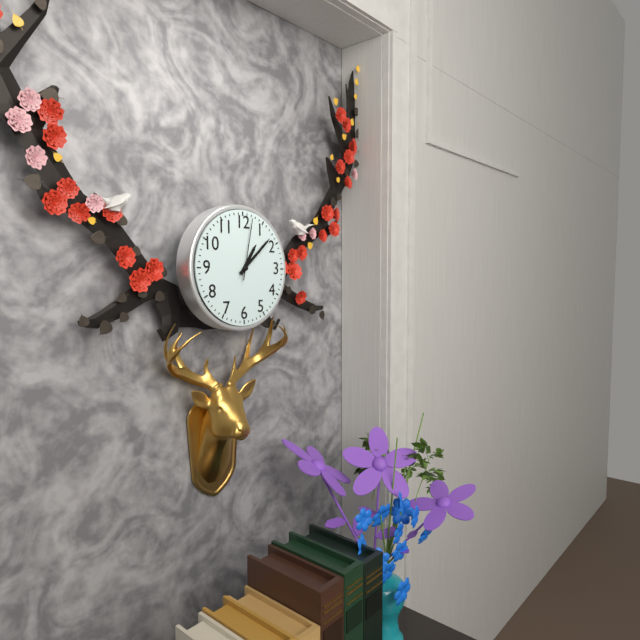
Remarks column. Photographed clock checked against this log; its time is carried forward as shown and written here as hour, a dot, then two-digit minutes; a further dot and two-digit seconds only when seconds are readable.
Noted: 1.08.02
